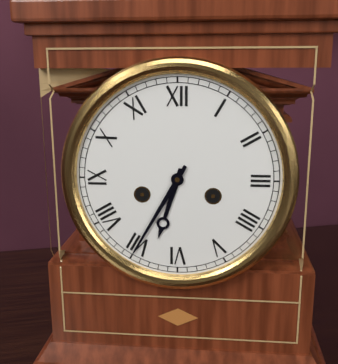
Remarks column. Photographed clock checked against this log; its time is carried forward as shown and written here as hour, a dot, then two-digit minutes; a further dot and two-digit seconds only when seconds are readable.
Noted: 6.35
